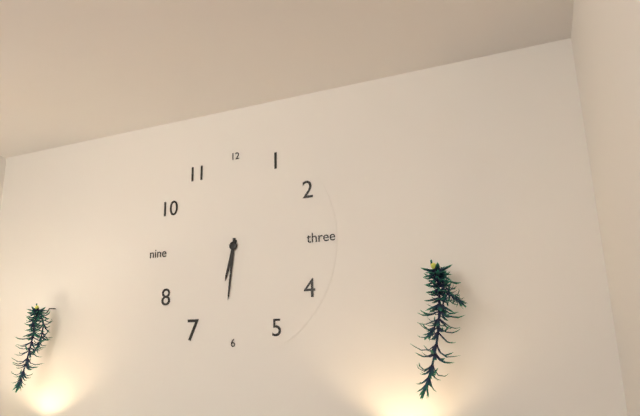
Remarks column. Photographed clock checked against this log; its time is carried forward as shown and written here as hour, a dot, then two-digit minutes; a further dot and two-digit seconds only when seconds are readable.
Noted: 6.31
